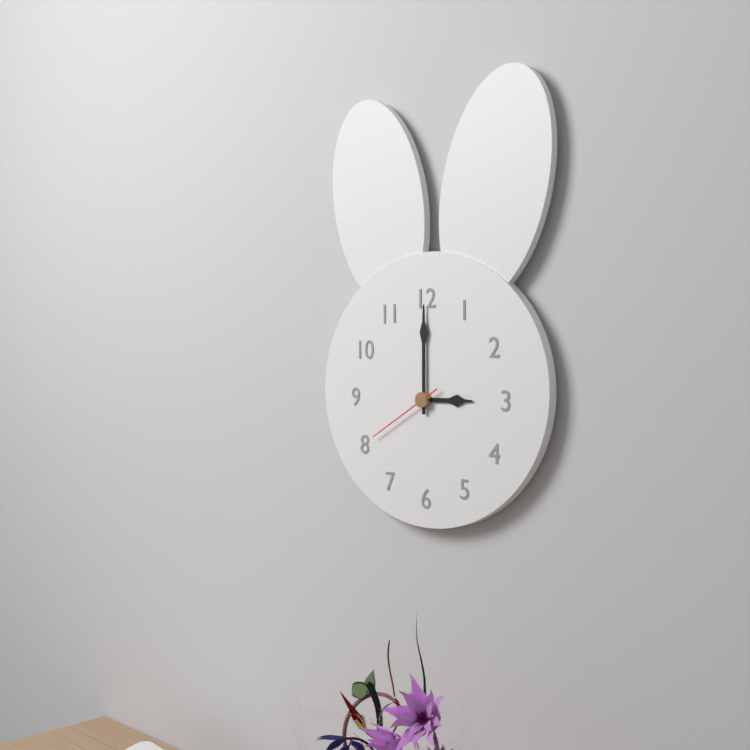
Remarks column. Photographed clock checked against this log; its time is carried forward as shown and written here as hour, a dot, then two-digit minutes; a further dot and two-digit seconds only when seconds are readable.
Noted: 3.00.40
